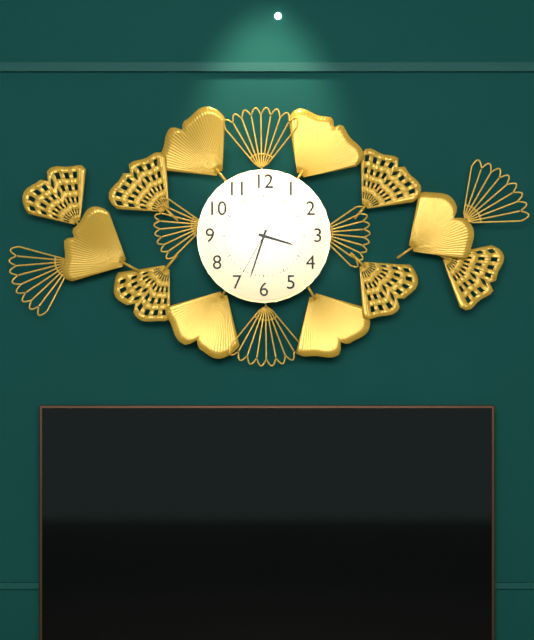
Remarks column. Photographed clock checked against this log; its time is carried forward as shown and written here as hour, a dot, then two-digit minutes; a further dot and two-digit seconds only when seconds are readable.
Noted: 3.33.35
